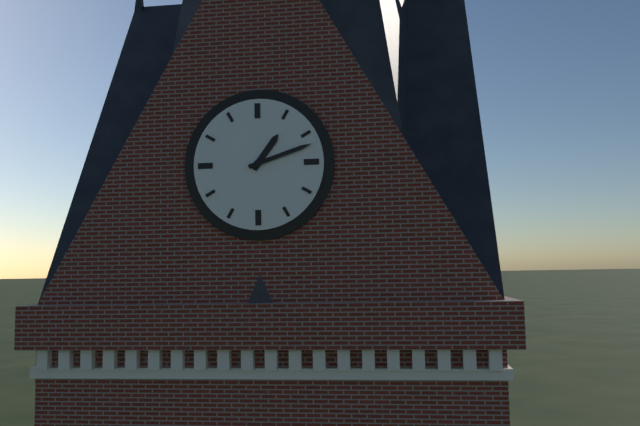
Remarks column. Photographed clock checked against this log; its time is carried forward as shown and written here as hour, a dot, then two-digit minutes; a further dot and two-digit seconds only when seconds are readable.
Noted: 1.12
